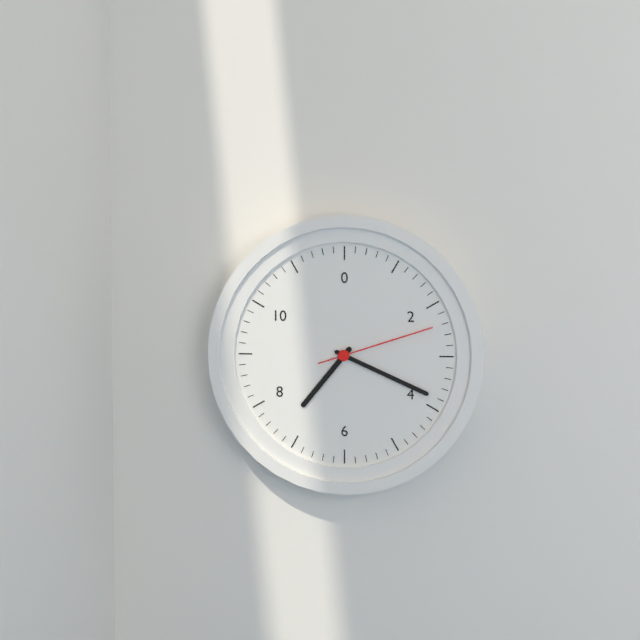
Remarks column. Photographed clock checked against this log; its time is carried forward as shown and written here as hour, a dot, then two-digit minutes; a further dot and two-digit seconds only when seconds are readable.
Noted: 7.19.12
